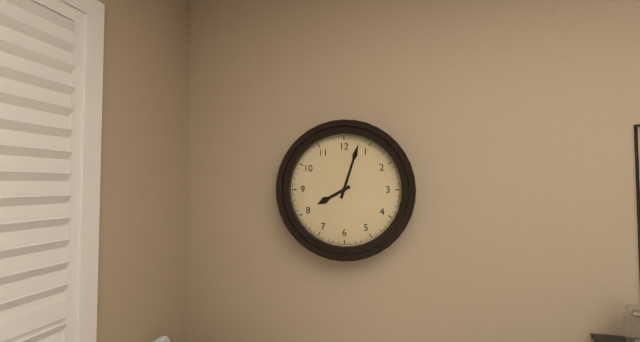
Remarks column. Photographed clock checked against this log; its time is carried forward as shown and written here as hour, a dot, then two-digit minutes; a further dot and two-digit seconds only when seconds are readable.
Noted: 8.03
